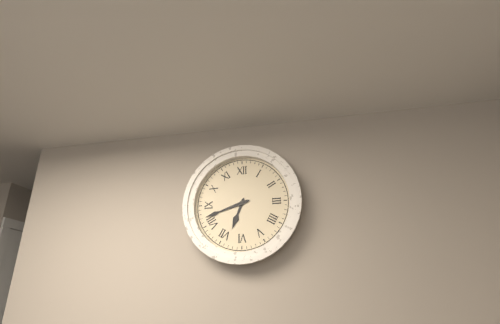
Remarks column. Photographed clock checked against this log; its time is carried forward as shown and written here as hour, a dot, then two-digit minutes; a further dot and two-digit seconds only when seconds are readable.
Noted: 6.42
